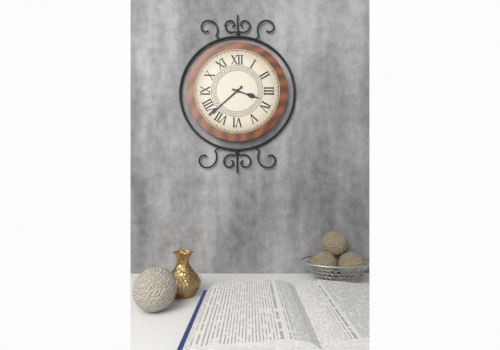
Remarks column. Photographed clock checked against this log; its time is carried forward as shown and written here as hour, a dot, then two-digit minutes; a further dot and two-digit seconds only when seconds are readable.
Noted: 3.38
